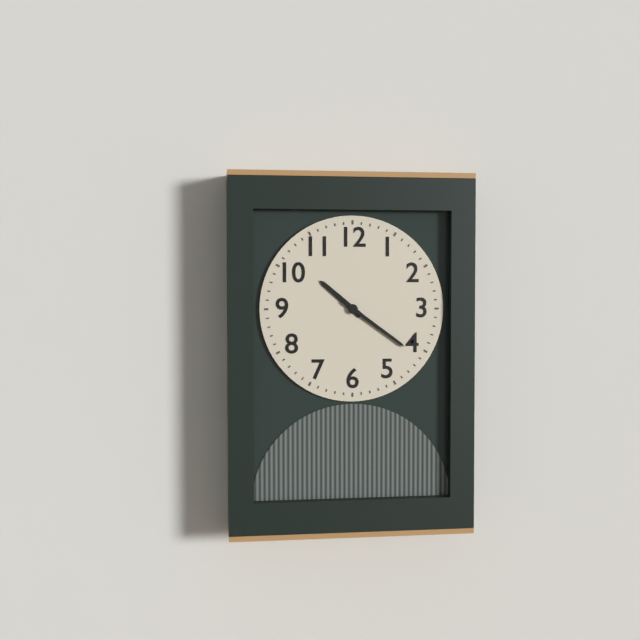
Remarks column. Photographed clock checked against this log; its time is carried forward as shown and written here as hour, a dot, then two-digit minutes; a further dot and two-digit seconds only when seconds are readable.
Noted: 10.21
